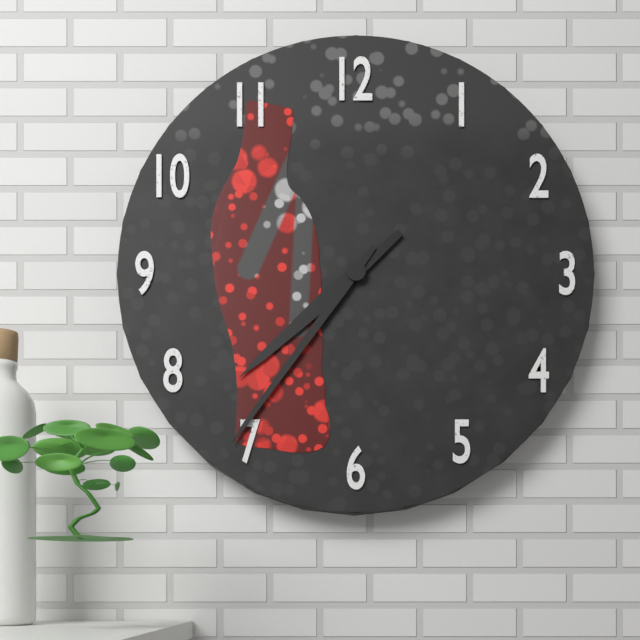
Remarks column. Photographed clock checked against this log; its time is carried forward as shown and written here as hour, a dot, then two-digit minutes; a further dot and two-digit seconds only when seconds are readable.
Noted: 7.36
